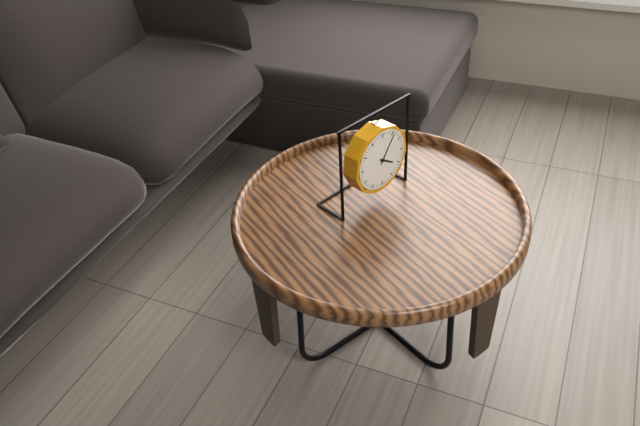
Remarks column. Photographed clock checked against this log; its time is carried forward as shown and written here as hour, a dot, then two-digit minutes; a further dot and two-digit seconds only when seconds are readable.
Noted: 4.06
